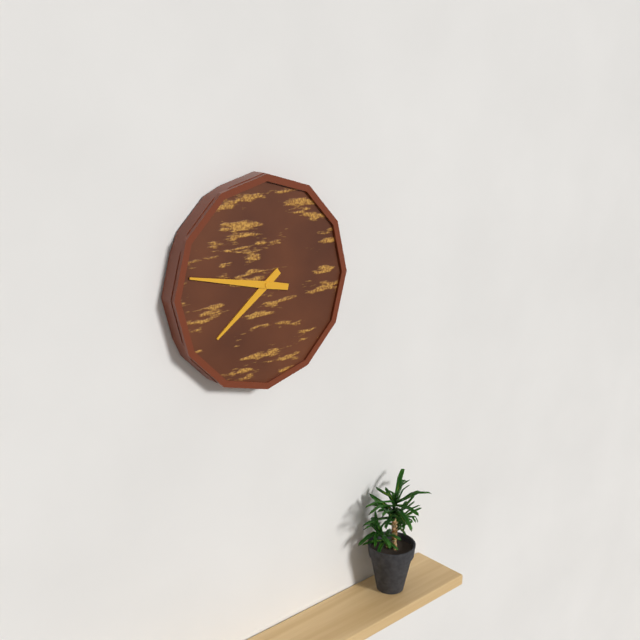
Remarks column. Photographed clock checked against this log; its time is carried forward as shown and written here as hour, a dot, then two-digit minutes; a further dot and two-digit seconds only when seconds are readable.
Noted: 7.47
